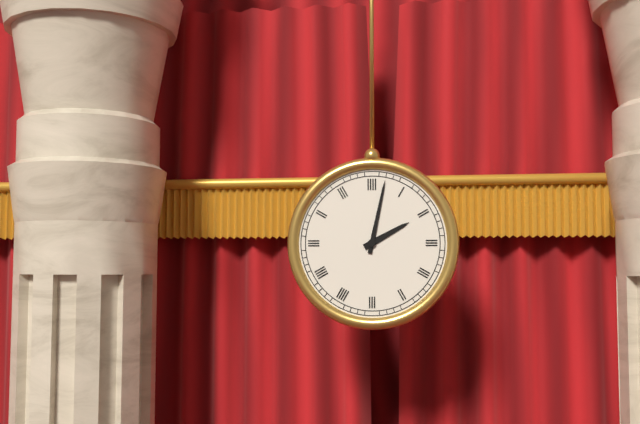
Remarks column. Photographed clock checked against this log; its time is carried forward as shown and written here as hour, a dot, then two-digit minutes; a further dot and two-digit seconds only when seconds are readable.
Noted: 2.02
